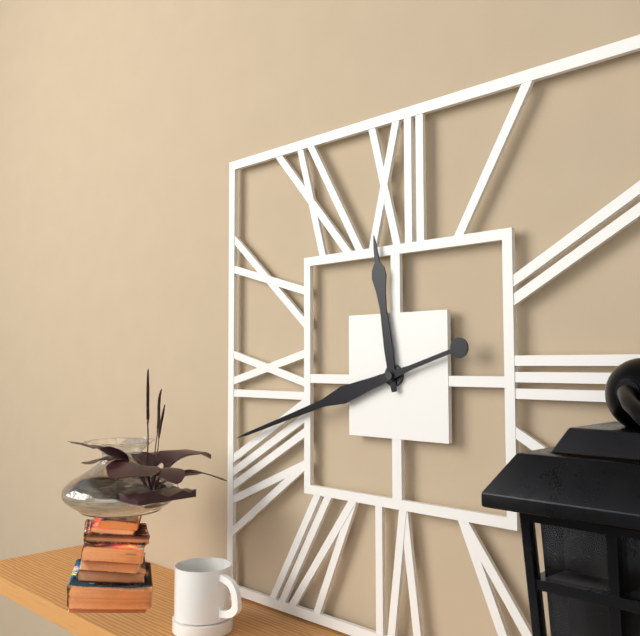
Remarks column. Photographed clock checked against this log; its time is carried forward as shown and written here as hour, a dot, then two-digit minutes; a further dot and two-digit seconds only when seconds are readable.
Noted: 11.42
